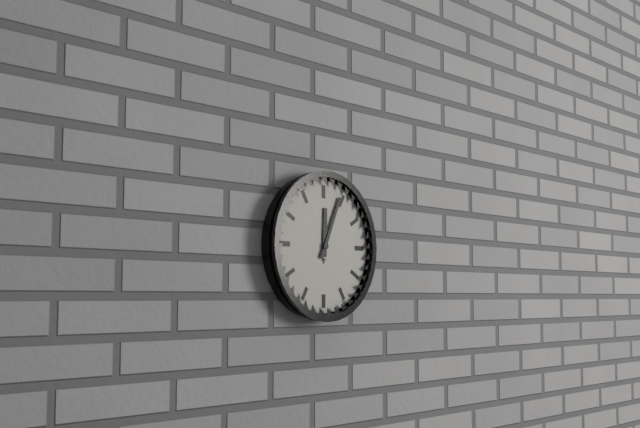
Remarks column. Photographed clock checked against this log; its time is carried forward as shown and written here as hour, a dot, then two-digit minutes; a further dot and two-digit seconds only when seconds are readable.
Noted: 12.04
